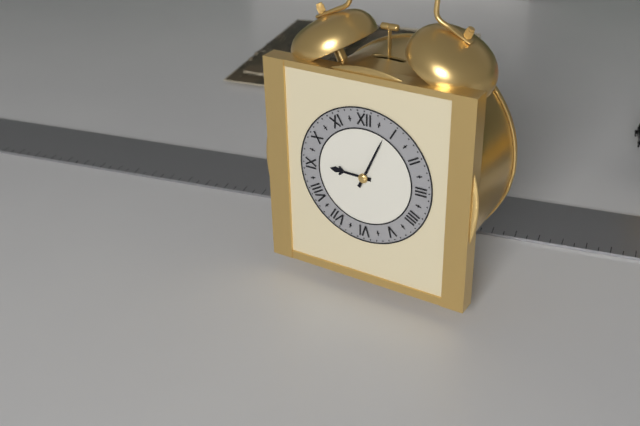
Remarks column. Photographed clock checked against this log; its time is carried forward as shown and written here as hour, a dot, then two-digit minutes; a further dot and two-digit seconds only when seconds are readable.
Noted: 9.04
